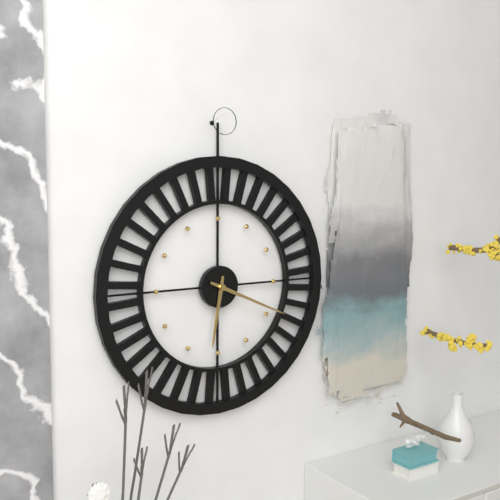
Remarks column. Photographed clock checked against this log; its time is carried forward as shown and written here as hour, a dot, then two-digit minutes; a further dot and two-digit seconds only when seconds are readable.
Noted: 6.19
